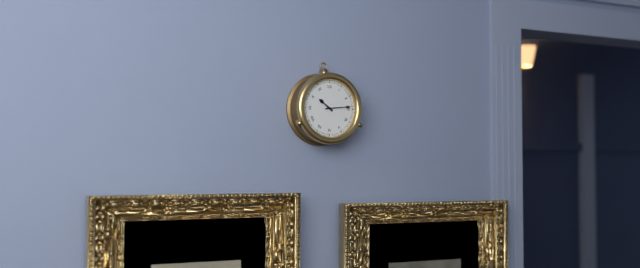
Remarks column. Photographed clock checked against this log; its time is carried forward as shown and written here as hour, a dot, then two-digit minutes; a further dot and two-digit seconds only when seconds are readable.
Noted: 10.14
